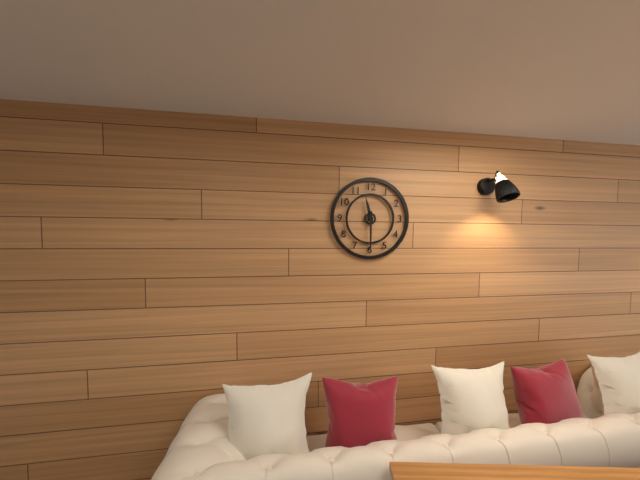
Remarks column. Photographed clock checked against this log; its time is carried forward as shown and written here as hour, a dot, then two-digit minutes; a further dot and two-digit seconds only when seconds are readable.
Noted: 11.30
